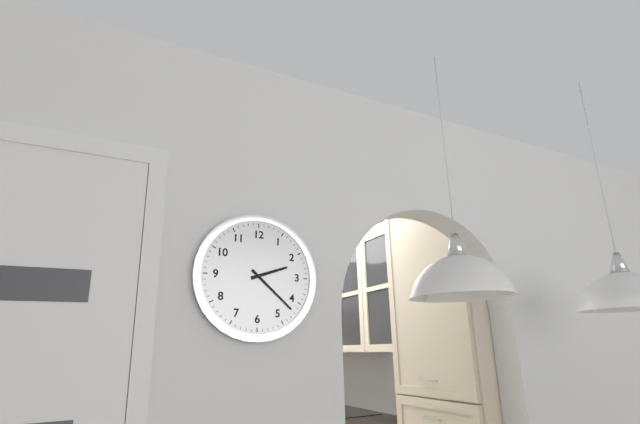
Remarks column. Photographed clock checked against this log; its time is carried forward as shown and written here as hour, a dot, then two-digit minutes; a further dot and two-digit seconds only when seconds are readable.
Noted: 2.22
